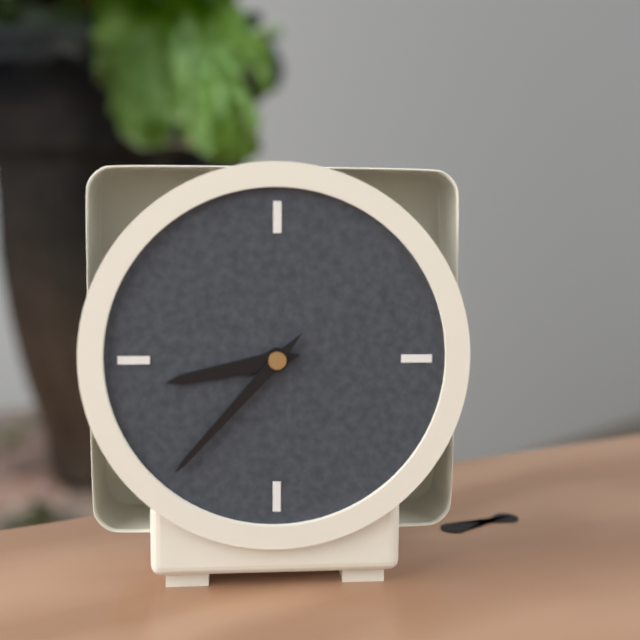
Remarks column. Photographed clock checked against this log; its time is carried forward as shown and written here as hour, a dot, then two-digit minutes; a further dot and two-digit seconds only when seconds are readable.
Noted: 8.37
